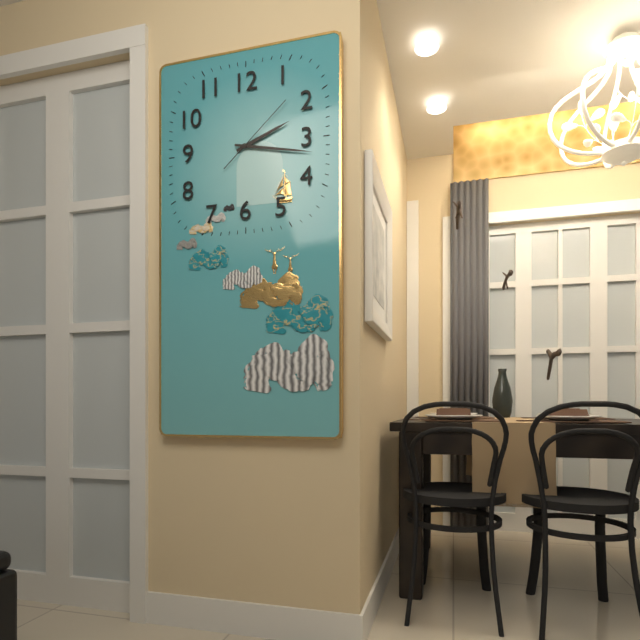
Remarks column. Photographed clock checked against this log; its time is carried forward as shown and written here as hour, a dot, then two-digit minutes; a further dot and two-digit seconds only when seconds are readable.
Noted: 2.17.08
